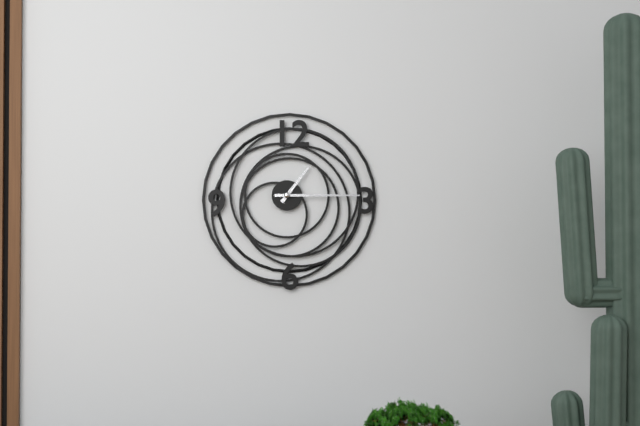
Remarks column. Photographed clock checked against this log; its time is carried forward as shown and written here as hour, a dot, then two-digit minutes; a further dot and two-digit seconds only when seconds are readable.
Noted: 1.15
